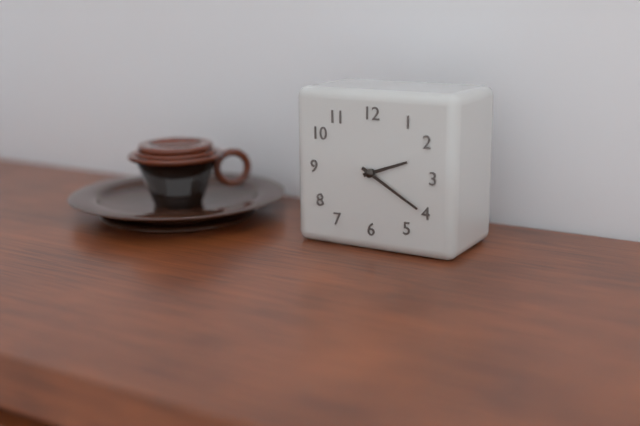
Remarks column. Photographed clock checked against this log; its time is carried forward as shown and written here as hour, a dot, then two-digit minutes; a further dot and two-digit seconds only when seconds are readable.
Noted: 2.20
